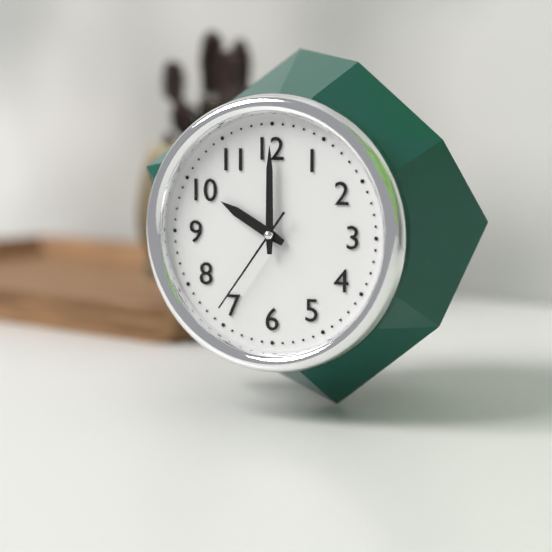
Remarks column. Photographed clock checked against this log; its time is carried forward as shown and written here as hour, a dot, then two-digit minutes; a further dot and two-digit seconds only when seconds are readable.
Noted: 10.00.36
